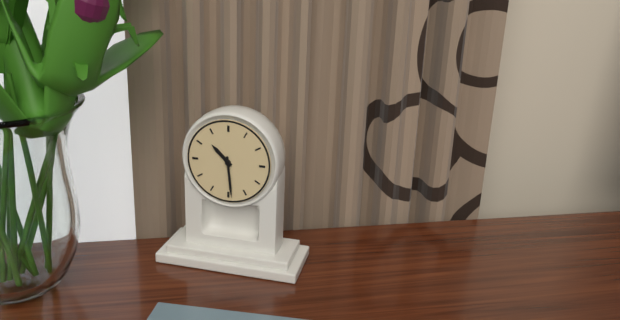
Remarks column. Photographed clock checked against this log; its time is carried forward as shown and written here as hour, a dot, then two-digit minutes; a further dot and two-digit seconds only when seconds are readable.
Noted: 10.29
